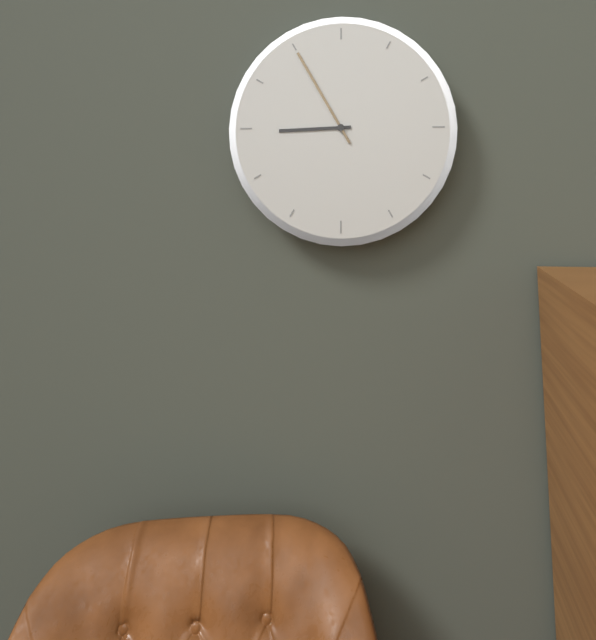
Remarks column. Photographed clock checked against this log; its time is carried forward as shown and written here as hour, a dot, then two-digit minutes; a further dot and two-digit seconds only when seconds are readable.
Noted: 8.55
